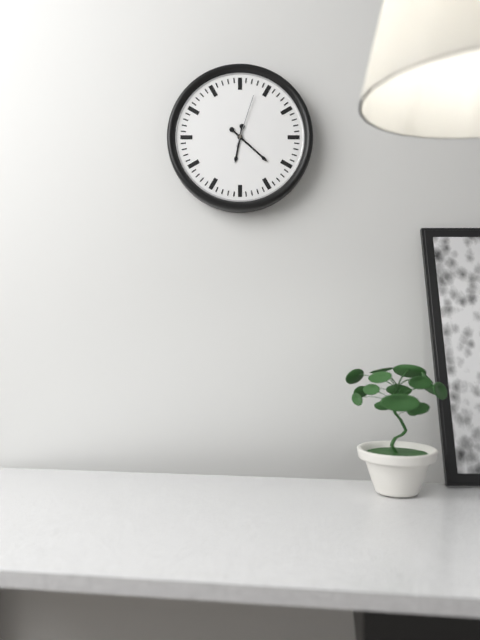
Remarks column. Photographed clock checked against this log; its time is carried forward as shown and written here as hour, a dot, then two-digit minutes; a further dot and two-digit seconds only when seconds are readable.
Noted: 6.22.03
